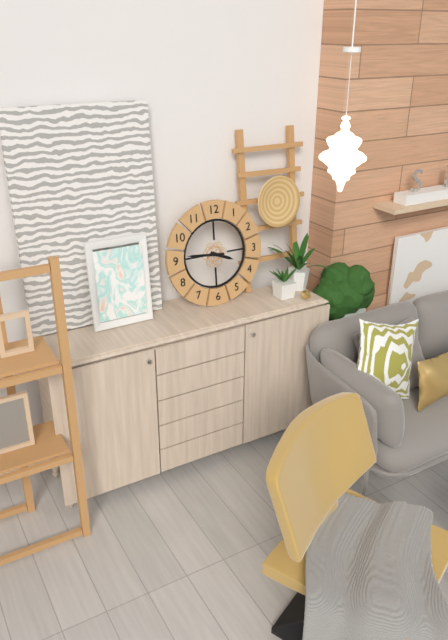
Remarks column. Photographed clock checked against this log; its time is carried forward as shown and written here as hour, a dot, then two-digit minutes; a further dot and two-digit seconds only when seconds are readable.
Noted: 3.46
